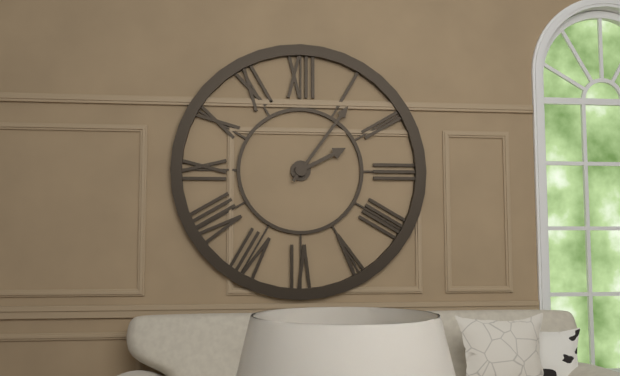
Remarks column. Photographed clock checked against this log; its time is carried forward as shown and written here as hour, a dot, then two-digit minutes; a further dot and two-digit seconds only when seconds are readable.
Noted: 2.06
